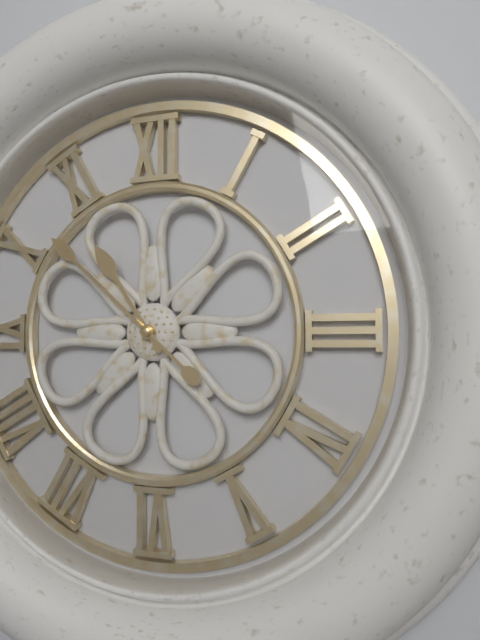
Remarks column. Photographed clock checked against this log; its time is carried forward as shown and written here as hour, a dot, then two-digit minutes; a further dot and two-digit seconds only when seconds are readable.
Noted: 10.52
